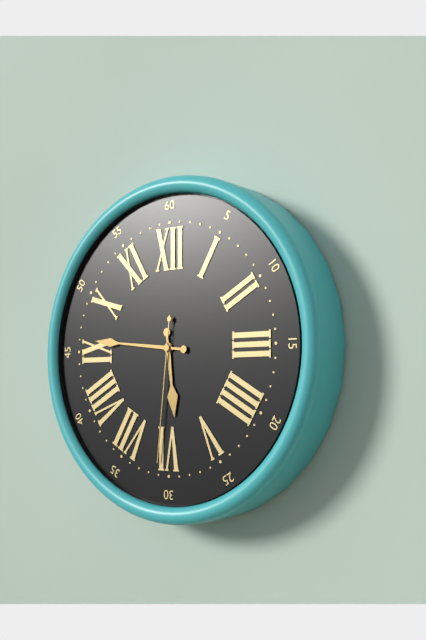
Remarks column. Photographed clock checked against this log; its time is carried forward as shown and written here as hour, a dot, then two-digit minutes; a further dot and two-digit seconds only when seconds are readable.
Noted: 5.46.31
